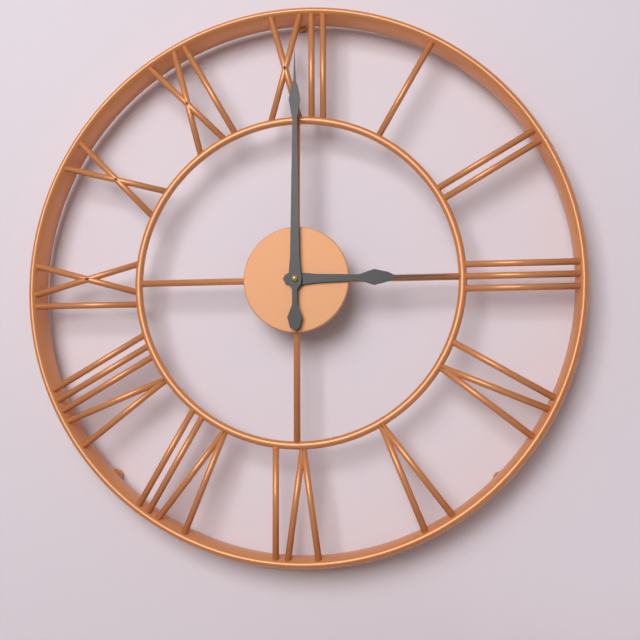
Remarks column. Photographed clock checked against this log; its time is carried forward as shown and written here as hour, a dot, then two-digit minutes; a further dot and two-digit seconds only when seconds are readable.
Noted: 3.00
